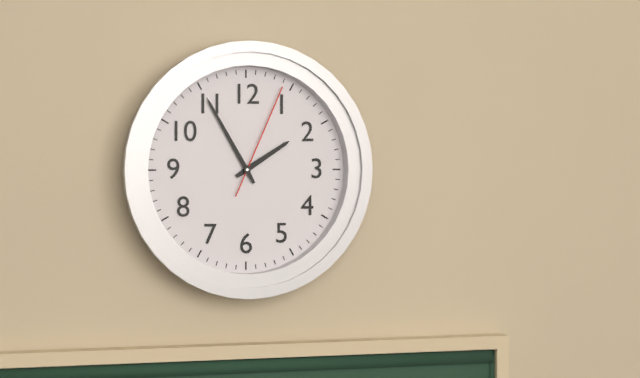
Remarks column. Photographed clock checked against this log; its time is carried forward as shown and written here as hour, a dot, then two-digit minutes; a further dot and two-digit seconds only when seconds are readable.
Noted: 1.55.04
